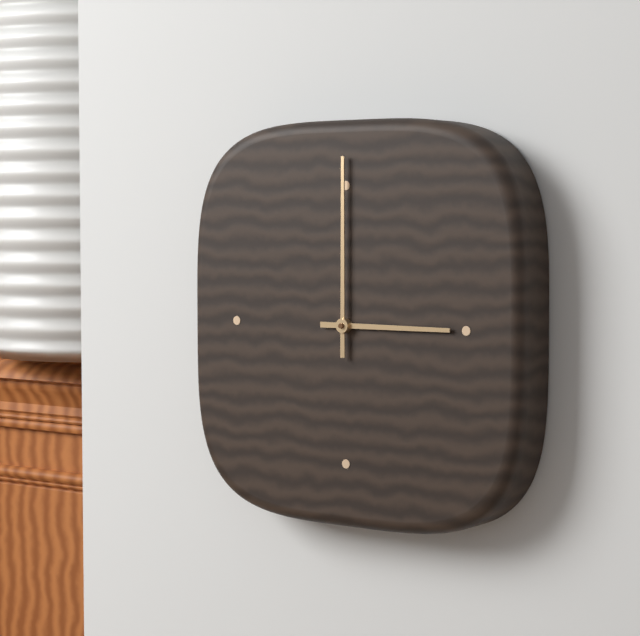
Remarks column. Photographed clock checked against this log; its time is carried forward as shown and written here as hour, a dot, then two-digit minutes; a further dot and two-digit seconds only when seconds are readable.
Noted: 3.00
